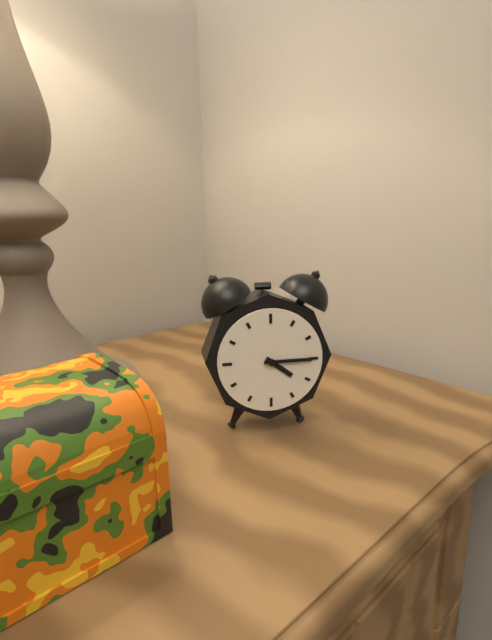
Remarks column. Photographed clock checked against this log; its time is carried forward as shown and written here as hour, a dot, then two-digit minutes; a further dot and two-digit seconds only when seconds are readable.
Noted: 4.15
